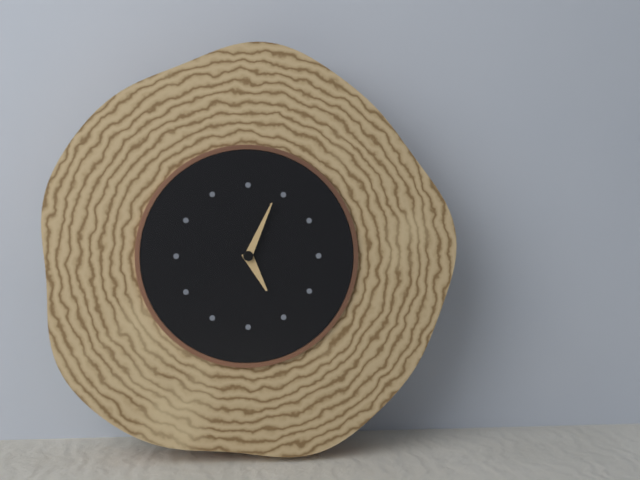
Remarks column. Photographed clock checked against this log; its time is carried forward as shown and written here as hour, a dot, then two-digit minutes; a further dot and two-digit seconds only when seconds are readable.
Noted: 5.04
